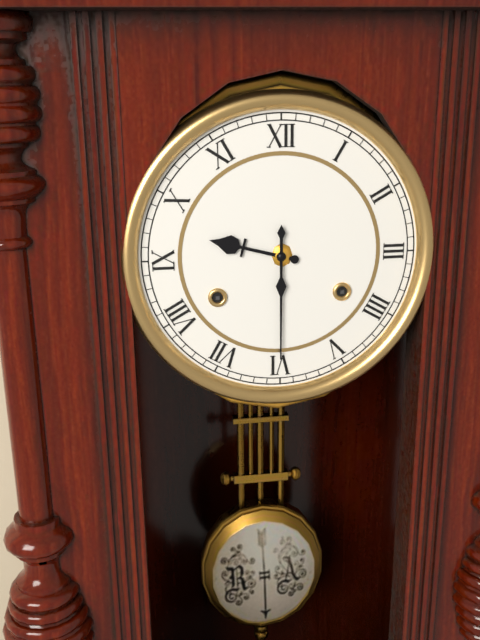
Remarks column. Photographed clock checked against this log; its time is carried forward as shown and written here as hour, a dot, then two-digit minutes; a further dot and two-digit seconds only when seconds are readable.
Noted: 9.30
